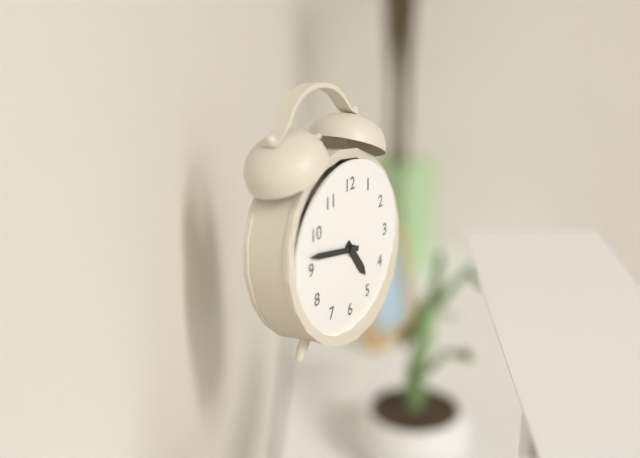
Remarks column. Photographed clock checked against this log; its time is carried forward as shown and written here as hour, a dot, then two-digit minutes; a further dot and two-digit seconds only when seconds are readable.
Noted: 4.47
